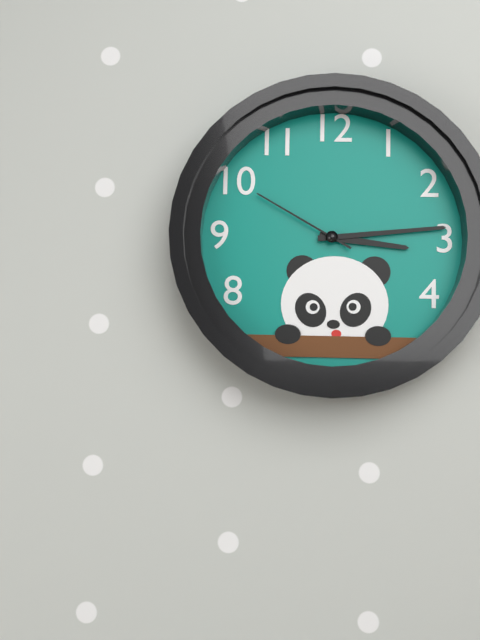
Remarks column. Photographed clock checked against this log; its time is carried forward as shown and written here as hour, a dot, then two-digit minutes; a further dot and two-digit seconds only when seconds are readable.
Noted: 3.14.50
